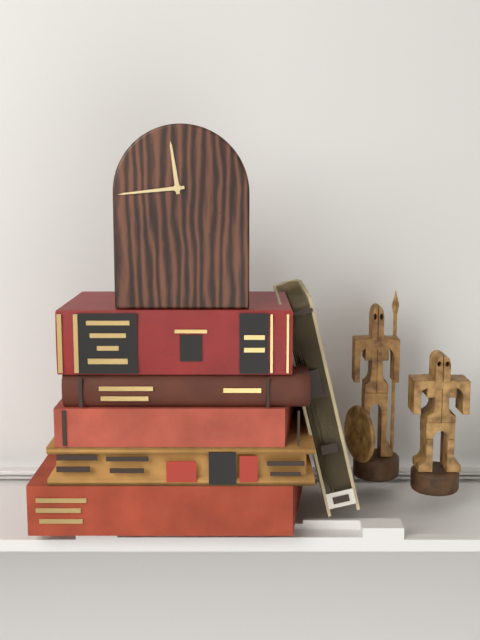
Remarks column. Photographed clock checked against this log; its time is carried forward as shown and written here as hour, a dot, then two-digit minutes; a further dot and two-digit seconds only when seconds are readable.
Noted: 11.44
